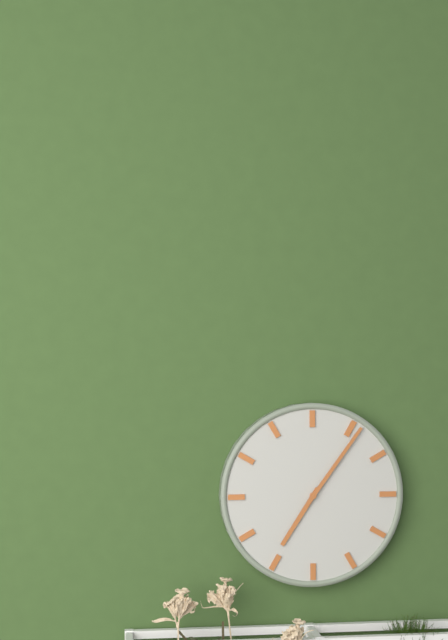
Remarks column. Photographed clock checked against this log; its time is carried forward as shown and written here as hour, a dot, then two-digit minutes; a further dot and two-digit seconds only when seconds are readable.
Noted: 7.06
